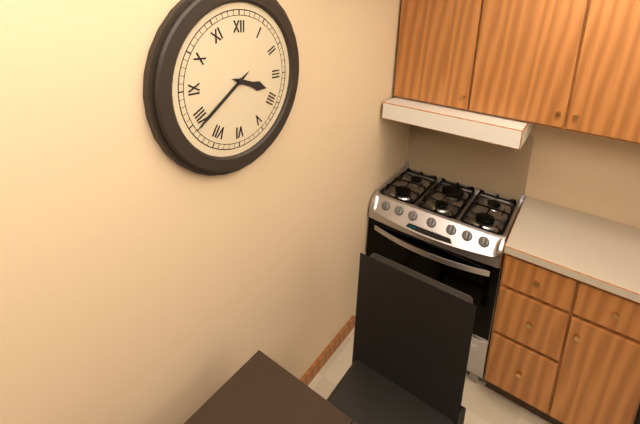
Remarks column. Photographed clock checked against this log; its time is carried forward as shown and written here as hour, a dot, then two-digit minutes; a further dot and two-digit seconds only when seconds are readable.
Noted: 3.39
